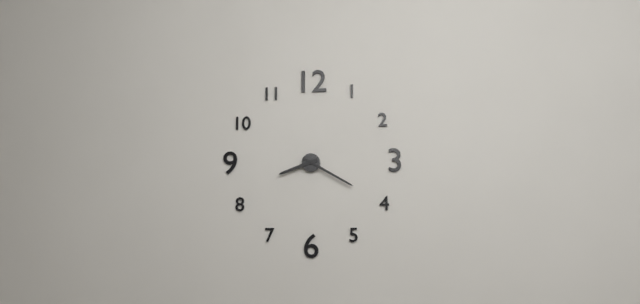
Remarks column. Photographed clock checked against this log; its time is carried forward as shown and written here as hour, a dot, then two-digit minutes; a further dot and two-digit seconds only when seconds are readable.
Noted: 8.20
